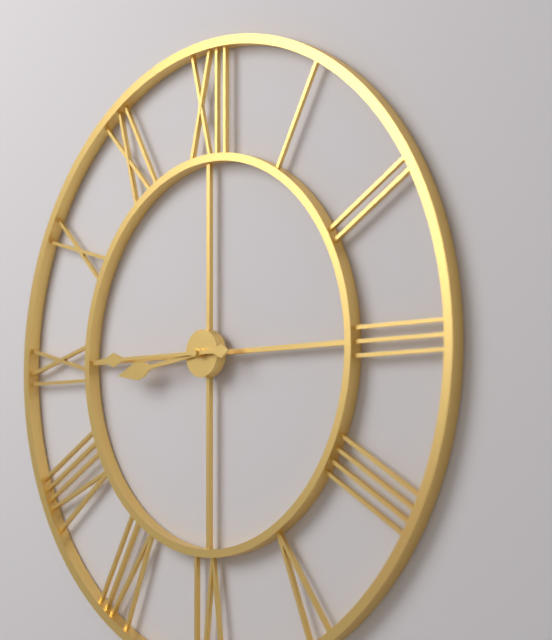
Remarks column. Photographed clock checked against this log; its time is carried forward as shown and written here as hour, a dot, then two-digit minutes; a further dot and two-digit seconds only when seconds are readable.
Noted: 8.45
